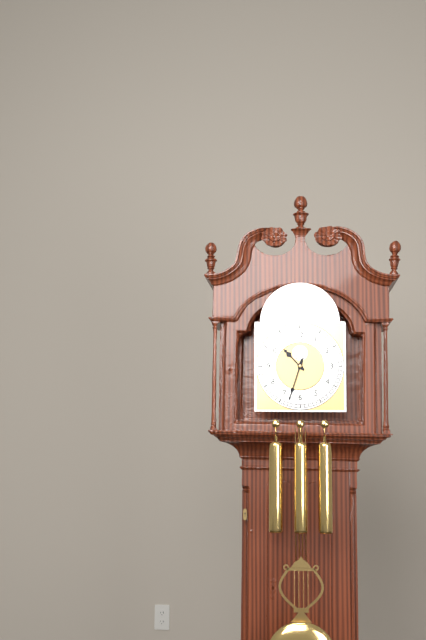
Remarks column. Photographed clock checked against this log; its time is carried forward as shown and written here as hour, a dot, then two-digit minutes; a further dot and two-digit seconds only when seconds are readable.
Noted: 10.33
